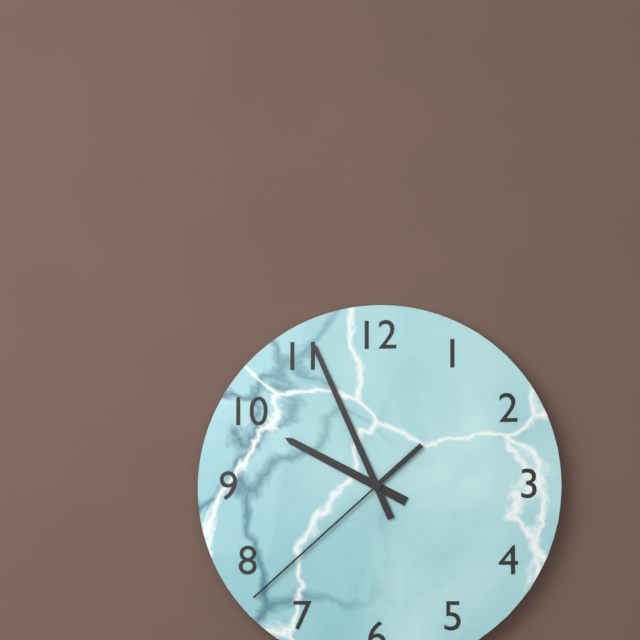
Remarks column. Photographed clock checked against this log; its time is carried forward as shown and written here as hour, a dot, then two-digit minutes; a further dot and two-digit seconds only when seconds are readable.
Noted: 9.56.38
